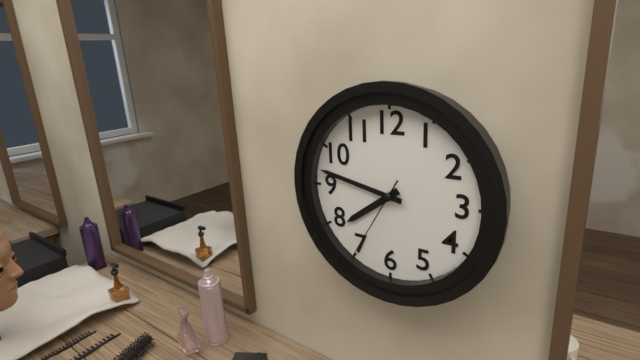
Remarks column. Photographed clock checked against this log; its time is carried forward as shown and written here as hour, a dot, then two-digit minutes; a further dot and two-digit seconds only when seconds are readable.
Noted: 7.47.35
